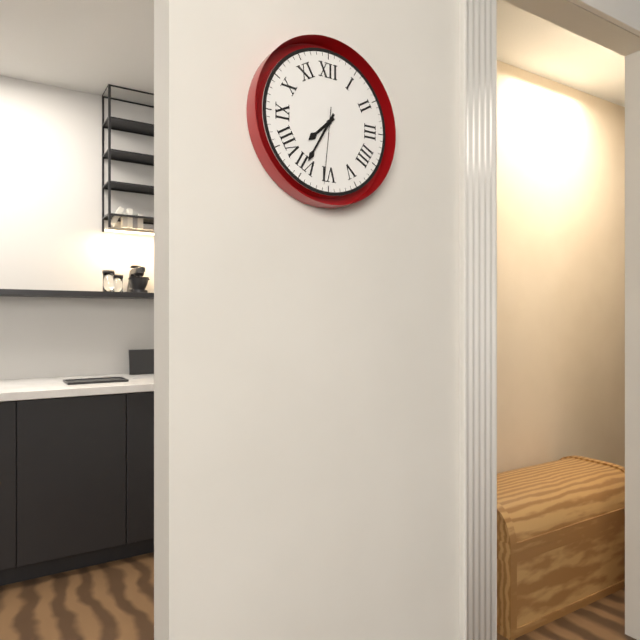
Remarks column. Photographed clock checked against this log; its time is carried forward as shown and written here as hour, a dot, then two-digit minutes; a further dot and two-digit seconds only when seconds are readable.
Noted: 7.35.31
